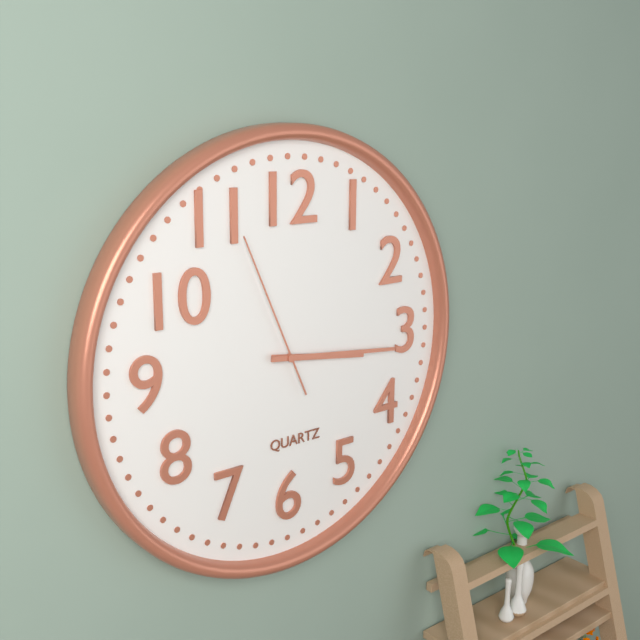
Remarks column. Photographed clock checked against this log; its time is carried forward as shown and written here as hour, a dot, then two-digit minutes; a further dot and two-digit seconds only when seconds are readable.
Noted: 3.16.56
